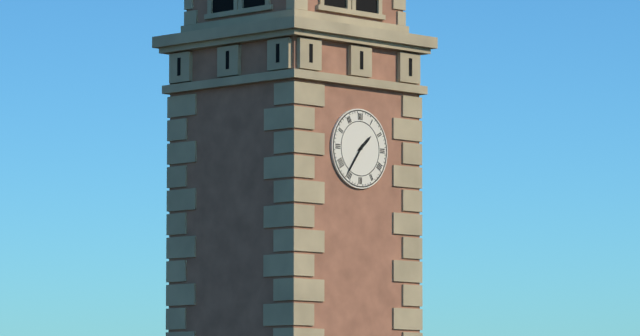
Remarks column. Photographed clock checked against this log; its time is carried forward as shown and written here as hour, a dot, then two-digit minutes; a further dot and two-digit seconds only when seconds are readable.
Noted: 1.36
